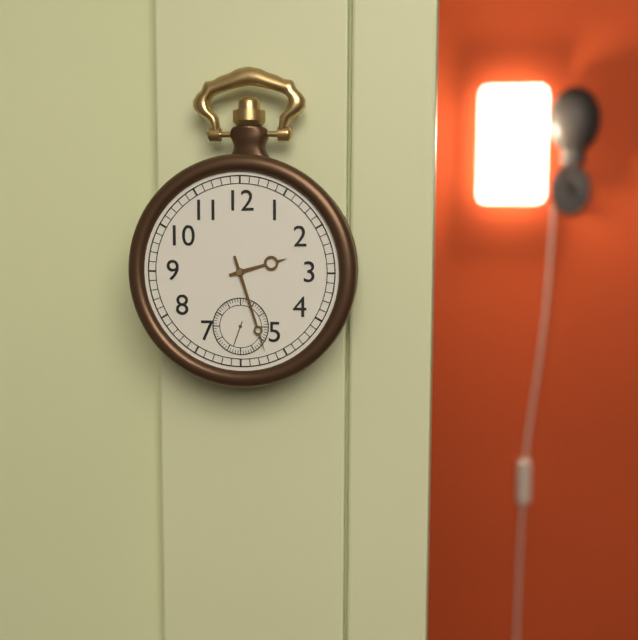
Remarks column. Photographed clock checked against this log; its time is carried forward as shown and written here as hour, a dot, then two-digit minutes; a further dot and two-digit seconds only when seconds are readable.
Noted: 2.27
